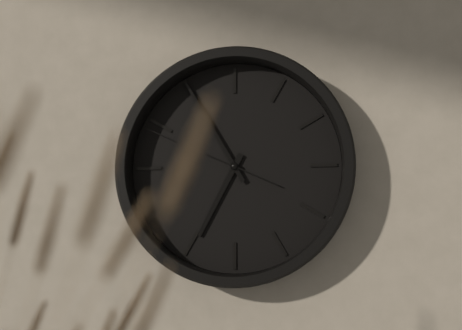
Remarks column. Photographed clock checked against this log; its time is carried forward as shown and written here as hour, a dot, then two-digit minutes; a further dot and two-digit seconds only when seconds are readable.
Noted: 6.55.49
